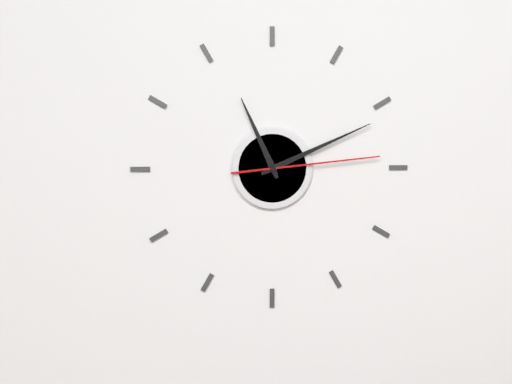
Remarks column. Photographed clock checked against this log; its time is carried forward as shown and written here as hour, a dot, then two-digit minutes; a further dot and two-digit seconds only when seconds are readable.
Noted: 11.11.14
